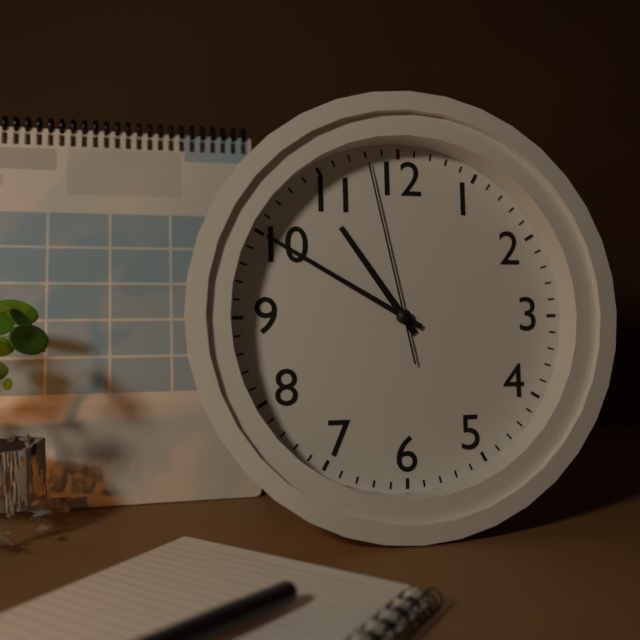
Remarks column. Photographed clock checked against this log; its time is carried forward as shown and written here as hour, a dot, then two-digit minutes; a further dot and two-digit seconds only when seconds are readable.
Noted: 10.50.58
